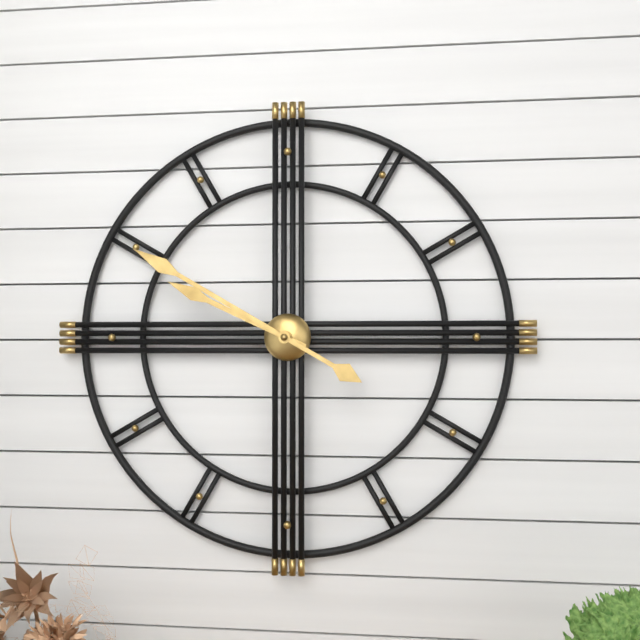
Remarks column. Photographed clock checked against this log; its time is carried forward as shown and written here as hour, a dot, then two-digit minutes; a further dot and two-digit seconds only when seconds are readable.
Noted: 9.50
